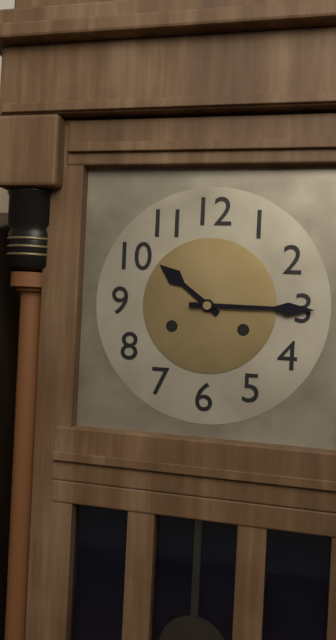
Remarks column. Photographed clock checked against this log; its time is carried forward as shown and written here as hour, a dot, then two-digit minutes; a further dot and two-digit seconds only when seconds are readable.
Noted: 10.15
